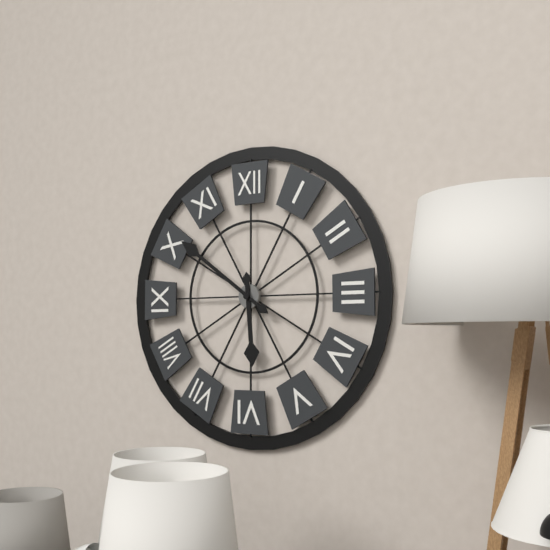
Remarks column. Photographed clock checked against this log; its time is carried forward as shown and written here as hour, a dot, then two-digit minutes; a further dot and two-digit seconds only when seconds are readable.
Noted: 5.51
